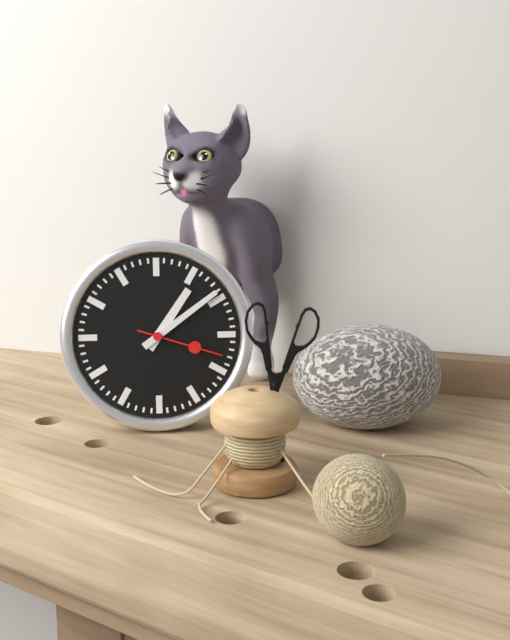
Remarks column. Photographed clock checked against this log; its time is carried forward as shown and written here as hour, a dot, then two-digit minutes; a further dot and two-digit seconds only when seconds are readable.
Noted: 1.09.18
